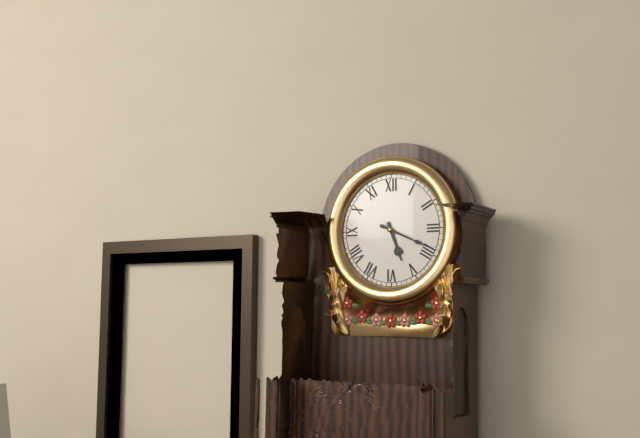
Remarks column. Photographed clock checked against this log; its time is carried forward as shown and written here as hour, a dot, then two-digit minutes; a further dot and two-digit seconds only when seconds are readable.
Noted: 5.19
